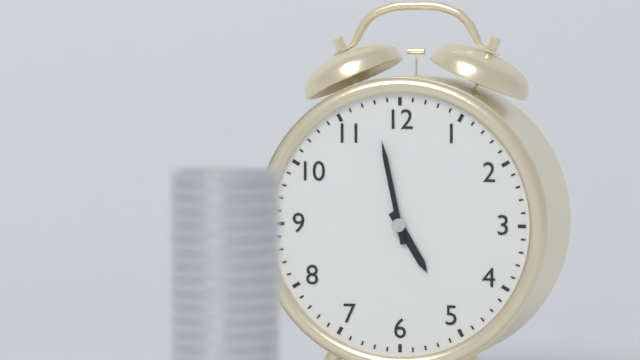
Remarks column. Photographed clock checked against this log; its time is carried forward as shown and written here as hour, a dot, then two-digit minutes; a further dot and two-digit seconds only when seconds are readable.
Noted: 4.58
